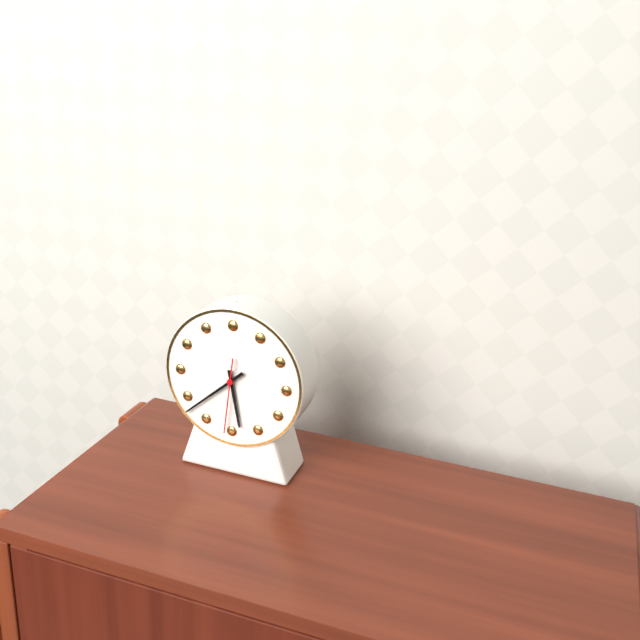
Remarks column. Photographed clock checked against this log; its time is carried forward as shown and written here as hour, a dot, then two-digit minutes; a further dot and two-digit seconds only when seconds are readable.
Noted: 5.38.31
